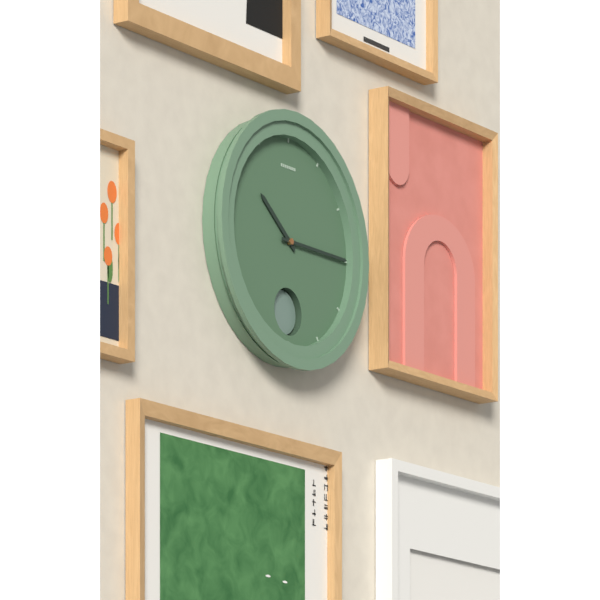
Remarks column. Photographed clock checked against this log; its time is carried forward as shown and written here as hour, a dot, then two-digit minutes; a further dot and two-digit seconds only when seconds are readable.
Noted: 10.15
